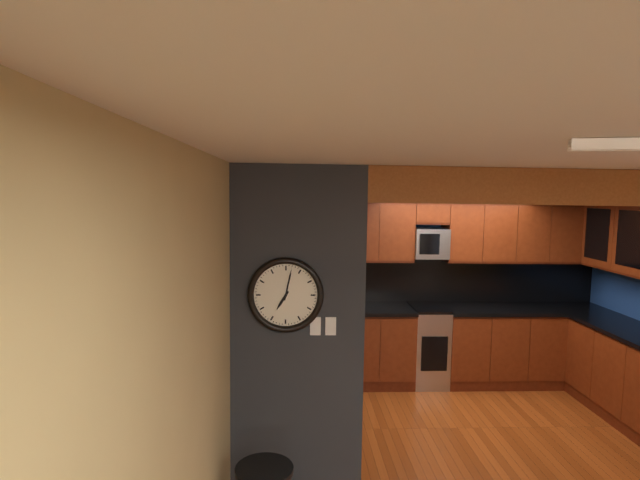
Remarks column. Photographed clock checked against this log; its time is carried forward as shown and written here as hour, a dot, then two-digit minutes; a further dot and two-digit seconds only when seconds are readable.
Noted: 7.02
